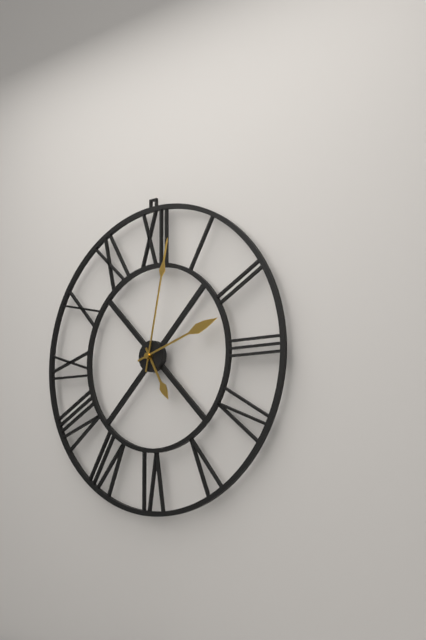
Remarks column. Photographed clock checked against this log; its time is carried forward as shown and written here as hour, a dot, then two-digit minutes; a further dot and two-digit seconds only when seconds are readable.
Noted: 5.02.12
